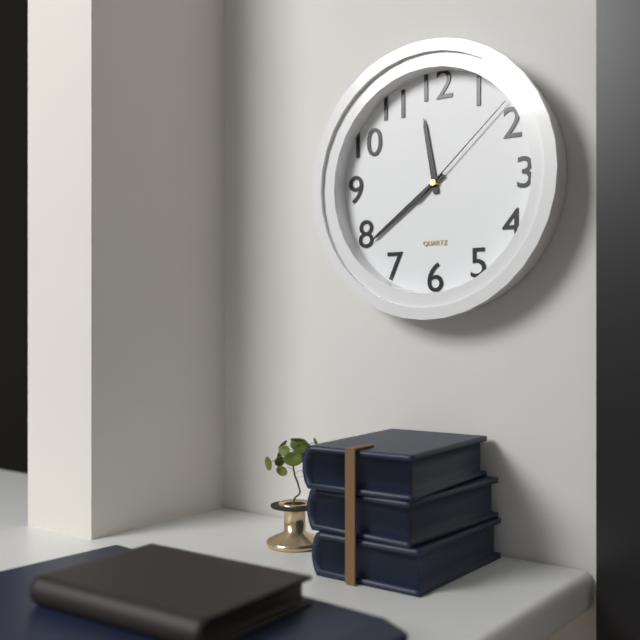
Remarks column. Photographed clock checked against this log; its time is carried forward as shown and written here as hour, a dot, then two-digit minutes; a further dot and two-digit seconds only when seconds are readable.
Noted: 11.39.08
